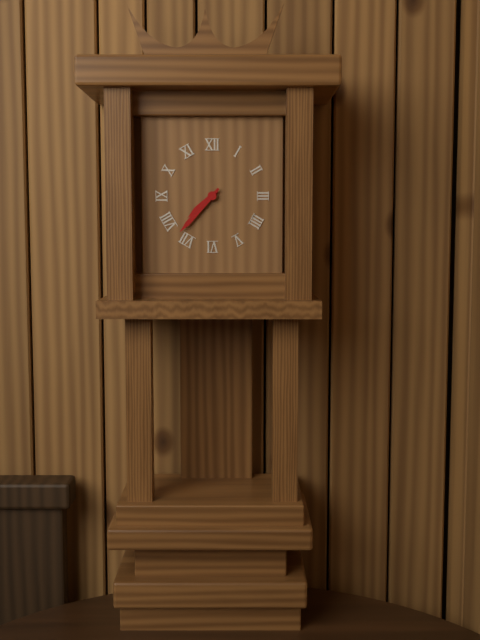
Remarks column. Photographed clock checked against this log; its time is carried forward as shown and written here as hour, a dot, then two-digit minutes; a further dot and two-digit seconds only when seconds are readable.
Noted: 7.37
